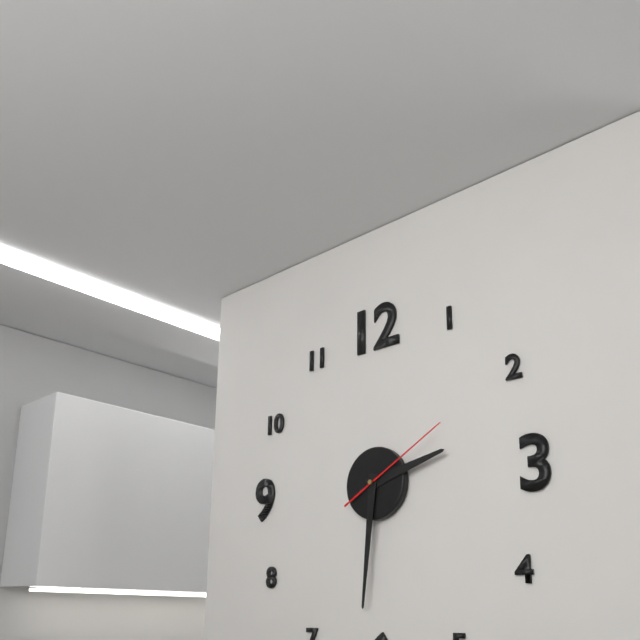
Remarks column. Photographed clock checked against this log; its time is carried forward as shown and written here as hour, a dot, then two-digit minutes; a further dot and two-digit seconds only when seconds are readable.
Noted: 2.31.10
